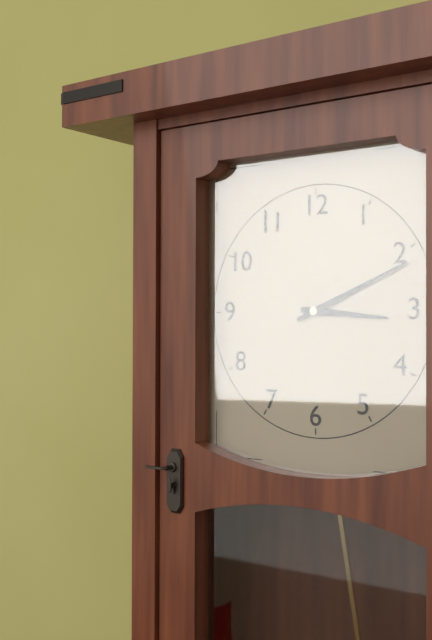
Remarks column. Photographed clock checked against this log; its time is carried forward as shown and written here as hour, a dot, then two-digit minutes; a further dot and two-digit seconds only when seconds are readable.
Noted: 3.11
